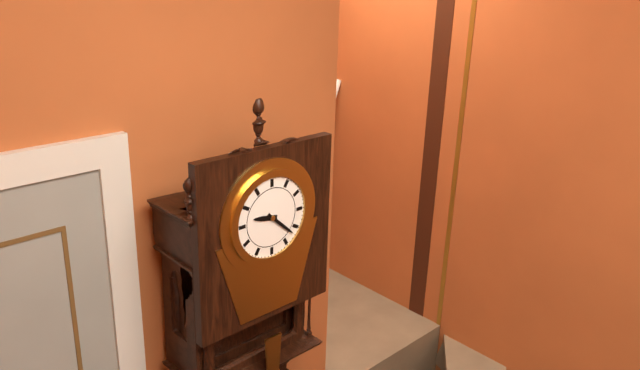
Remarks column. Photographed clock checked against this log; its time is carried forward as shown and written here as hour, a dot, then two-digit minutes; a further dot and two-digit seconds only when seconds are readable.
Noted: 9.22
